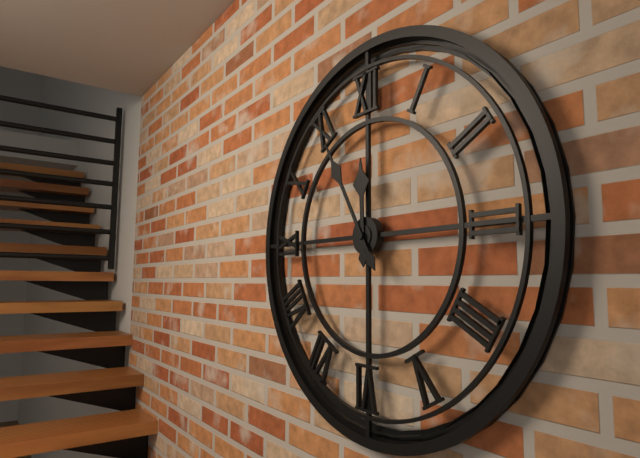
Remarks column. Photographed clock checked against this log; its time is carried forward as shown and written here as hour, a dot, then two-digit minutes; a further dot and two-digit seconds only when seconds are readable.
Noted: 11.55
